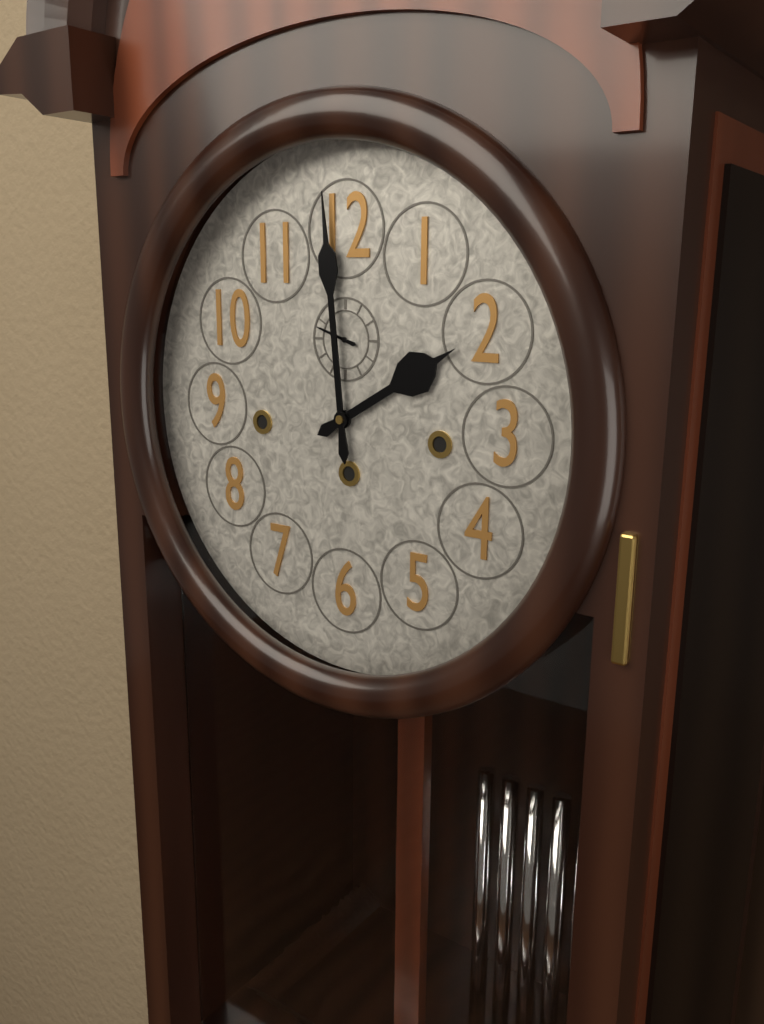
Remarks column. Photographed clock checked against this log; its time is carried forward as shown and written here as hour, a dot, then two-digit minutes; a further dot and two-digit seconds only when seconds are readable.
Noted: 1.59
